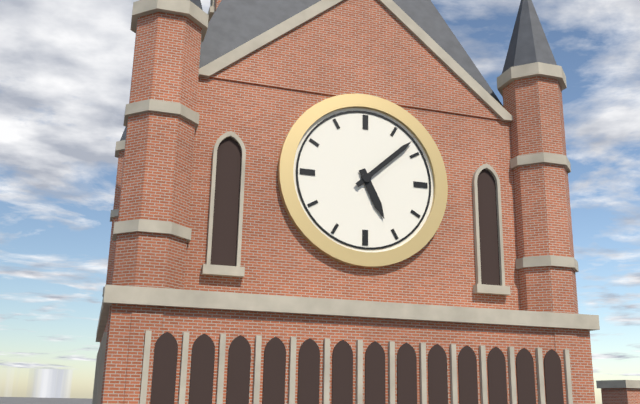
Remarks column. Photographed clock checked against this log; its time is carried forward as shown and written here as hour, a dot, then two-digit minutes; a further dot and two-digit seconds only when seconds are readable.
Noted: 5.08
